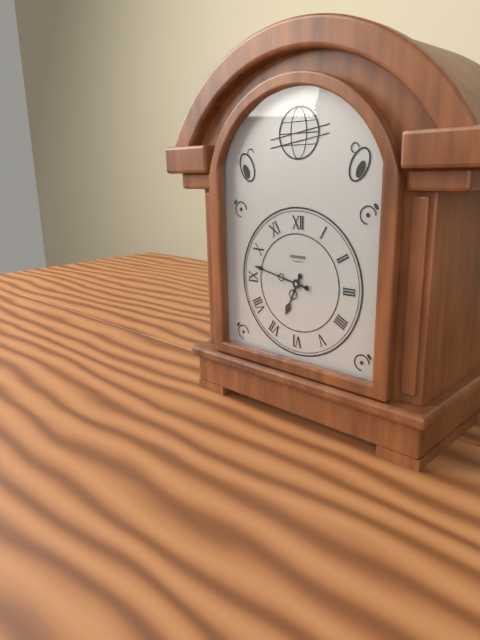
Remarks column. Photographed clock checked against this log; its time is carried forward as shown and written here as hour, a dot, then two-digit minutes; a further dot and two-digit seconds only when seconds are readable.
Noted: 6.47
